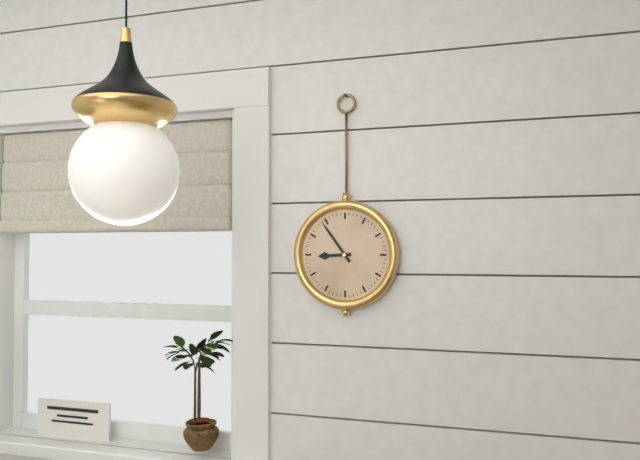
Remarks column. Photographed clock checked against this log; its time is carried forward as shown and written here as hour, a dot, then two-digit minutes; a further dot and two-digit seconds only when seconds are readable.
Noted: 8.54
